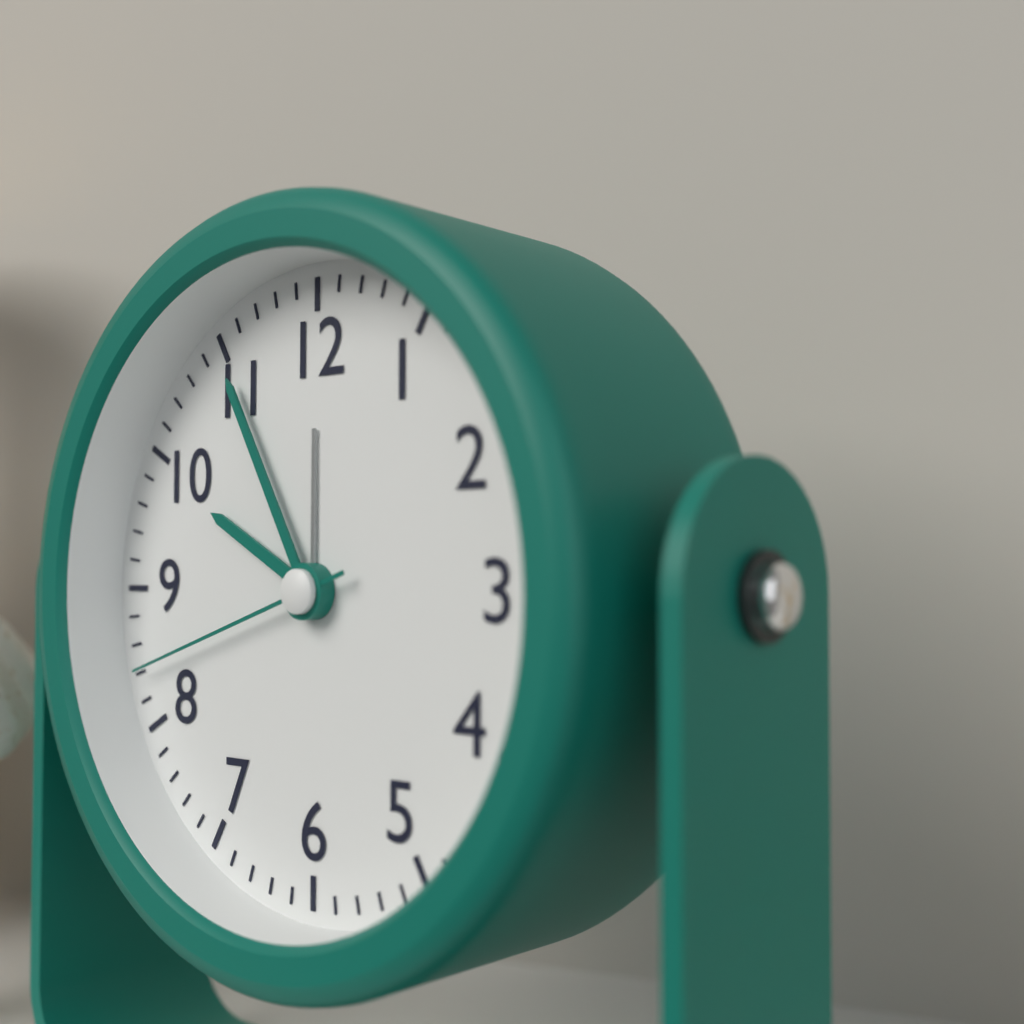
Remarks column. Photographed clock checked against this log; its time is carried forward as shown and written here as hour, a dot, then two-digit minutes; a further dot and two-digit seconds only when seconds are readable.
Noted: 9.55.42
